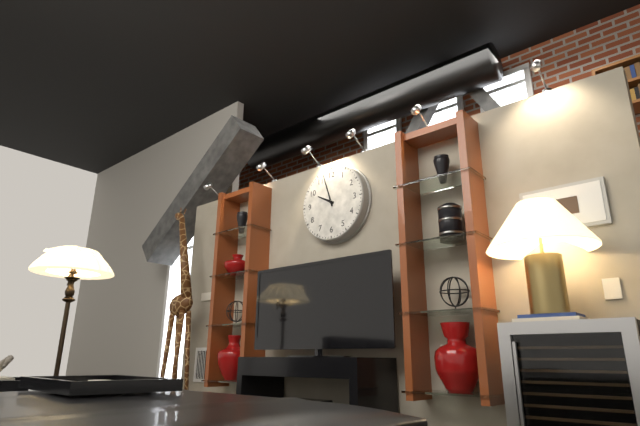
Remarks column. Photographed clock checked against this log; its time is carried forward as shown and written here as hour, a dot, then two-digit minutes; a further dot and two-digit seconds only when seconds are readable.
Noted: 9.57
